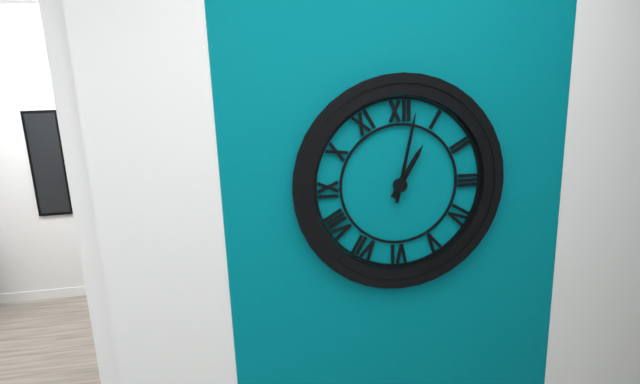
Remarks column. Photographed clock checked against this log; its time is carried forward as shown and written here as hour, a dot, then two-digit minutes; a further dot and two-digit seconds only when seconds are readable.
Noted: 1.02
